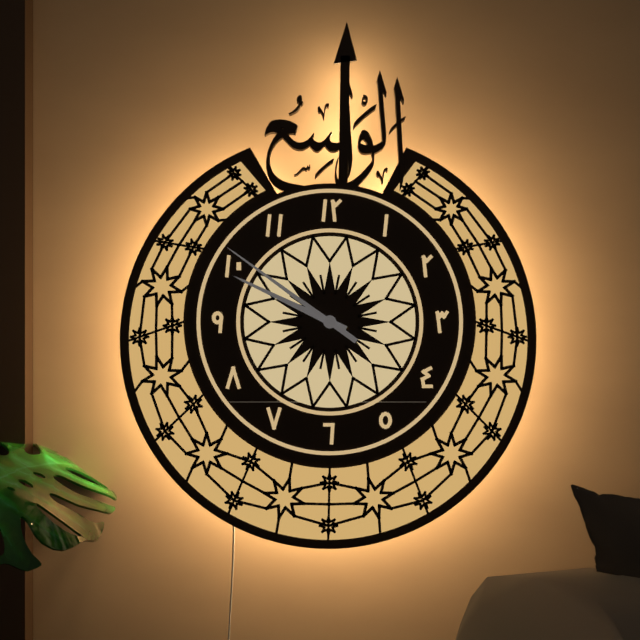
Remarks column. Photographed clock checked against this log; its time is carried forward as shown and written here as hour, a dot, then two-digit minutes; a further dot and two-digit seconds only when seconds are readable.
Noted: 9.51
